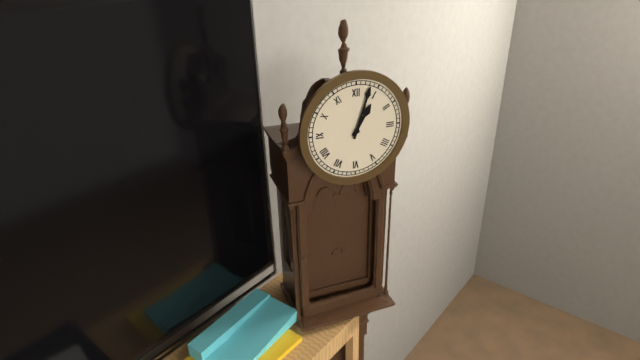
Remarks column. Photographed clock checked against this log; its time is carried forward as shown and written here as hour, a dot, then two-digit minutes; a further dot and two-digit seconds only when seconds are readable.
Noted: 1.03
